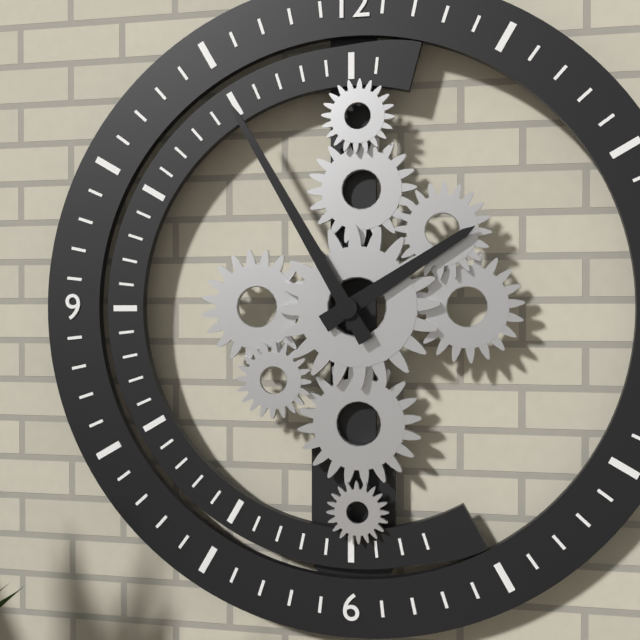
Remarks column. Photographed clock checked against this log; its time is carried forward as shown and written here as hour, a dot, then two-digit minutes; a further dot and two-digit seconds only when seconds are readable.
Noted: 1.55
